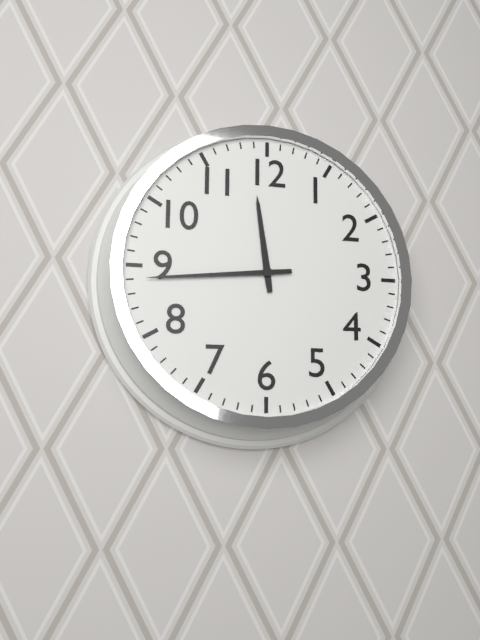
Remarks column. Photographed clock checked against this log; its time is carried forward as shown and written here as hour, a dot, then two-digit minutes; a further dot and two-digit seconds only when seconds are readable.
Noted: 11.44
